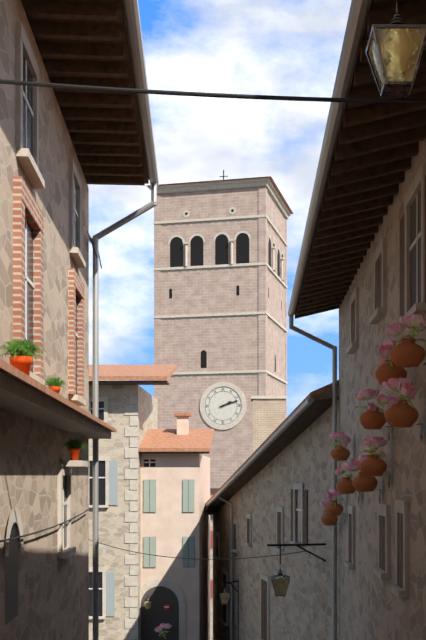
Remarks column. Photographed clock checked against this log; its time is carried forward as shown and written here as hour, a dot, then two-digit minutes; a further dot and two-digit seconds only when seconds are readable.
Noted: 2.12
